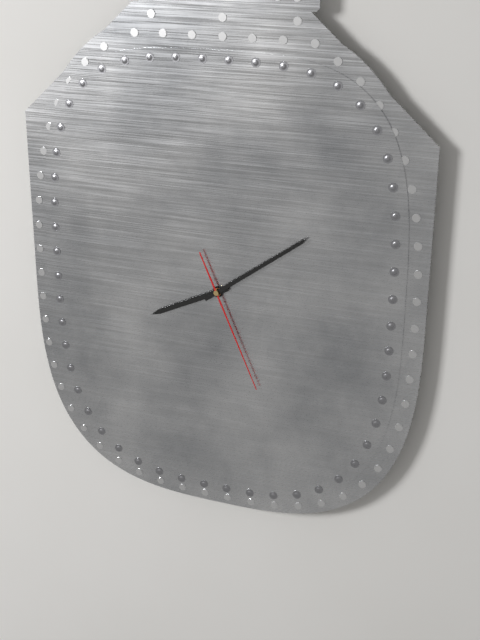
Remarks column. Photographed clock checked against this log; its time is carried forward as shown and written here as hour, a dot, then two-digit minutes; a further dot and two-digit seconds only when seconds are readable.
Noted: 8.09.26
